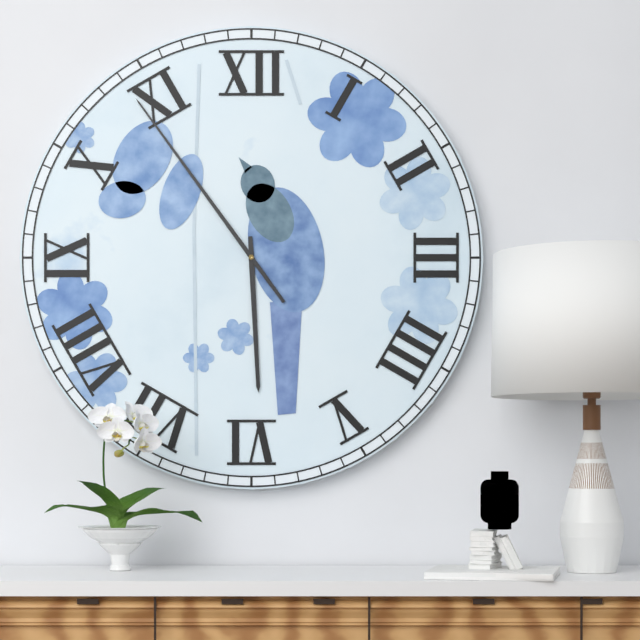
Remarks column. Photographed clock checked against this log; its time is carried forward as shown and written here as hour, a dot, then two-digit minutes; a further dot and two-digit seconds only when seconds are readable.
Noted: 5.54
